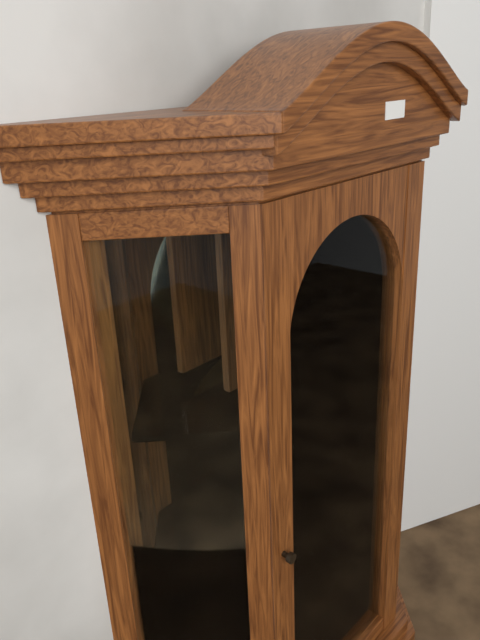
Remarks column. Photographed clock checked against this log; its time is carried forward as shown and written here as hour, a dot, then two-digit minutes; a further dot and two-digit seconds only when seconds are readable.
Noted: 12.22
